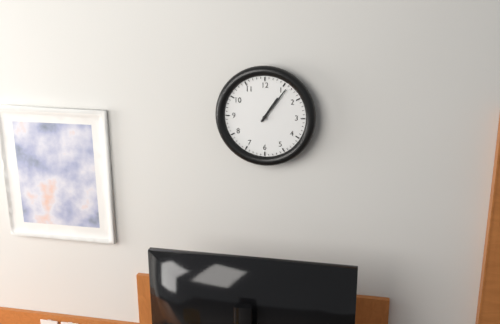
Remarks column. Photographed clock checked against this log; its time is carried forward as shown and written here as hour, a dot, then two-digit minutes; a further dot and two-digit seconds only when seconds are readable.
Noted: 1.06
